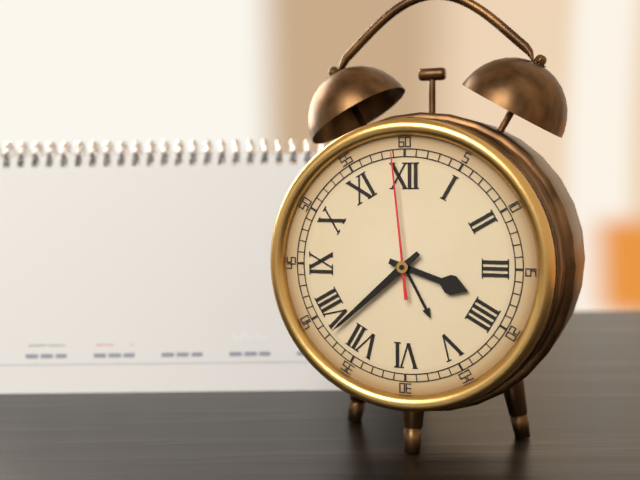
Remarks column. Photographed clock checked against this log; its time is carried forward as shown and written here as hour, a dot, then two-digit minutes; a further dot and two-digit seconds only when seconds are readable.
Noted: 3.38.59
